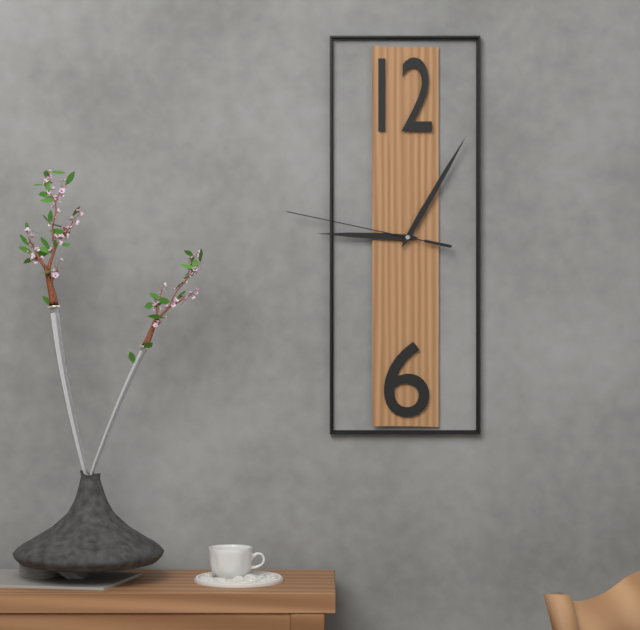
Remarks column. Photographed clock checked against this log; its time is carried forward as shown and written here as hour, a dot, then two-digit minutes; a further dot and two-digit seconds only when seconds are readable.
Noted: 9.05.47
